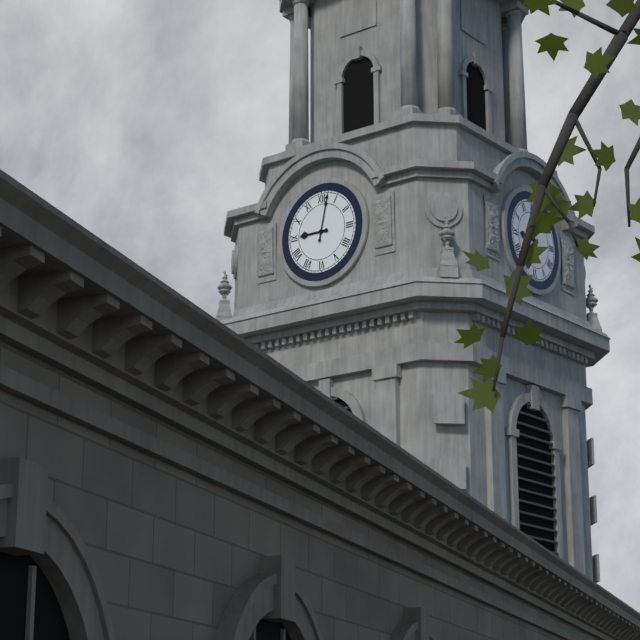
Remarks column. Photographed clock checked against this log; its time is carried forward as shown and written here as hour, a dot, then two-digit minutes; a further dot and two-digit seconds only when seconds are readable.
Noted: 9.02
